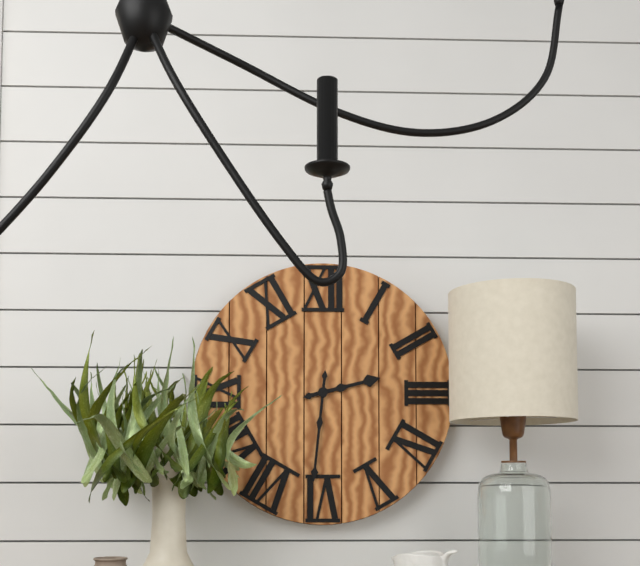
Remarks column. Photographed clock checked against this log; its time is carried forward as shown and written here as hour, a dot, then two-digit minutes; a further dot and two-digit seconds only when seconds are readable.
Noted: 2.31
